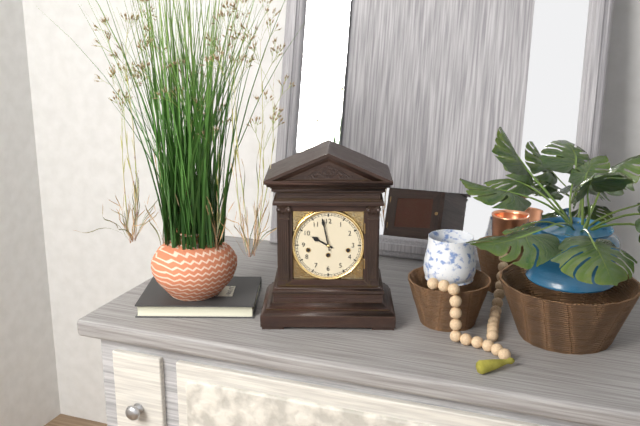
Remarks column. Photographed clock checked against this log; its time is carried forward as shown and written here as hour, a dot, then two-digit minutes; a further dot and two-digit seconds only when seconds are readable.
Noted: 9.58
